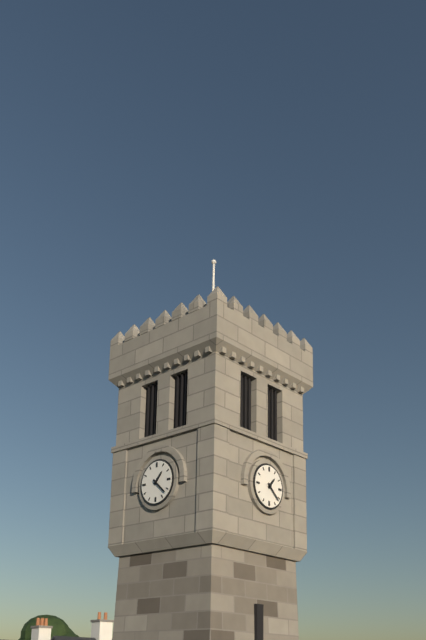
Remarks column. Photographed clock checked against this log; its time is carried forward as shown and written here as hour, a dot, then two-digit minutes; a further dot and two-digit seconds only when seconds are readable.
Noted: 1.22
